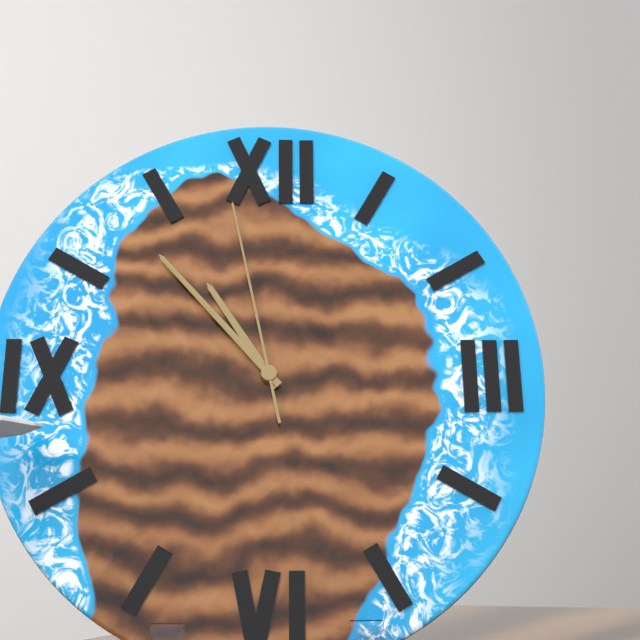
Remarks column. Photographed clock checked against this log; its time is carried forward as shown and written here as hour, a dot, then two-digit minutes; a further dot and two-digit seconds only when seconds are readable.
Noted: 10.53.58
